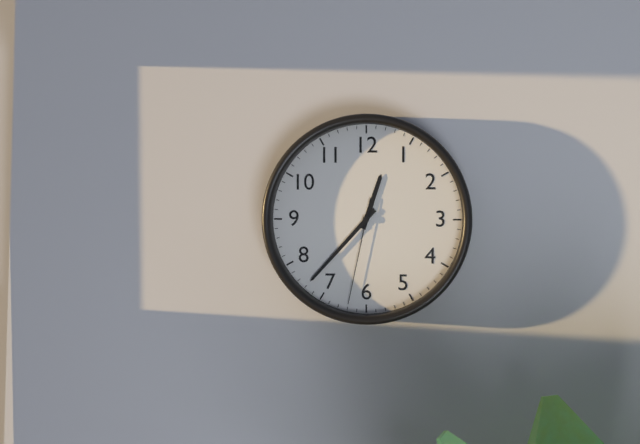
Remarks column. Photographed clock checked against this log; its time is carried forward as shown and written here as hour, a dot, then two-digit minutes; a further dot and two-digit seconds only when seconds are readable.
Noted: 12.37.32
